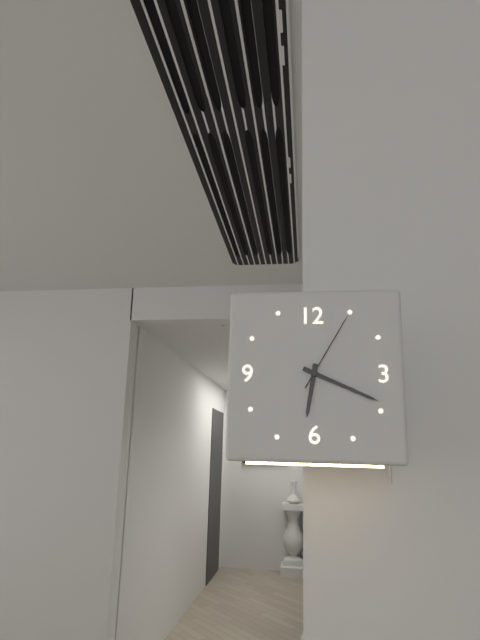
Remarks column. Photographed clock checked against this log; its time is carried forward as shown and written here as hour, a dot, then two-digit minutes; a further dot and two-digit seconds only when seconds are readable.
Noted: 6.19.05
